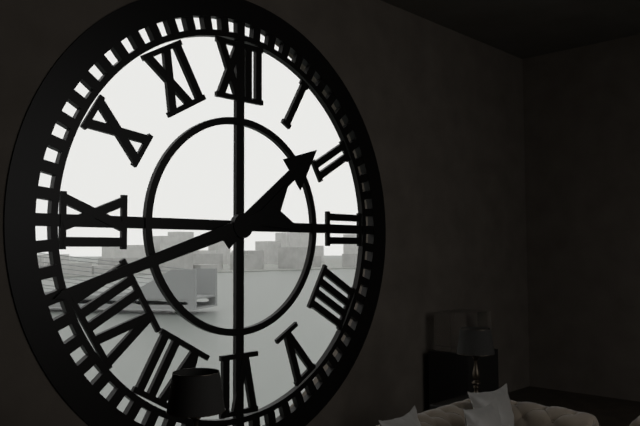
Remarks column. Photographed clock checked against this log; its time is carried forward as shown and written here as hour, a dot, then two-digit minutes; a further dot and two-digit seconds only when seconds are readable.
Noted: 1.42
